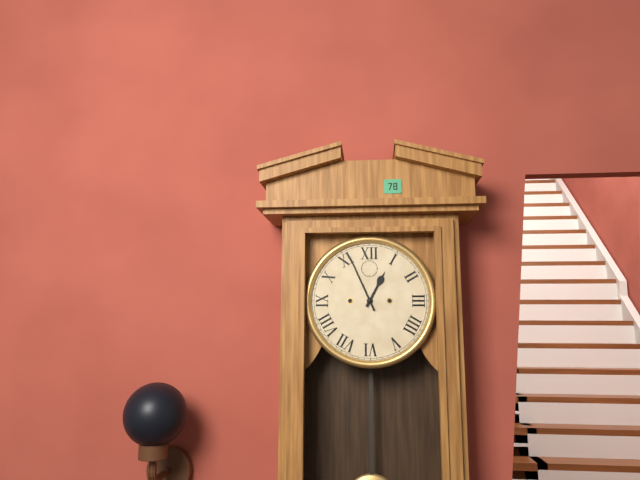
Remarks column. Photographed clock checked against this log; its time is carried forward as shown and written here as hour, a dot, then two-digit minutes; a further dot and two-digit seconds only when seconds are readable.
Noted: 12.56
